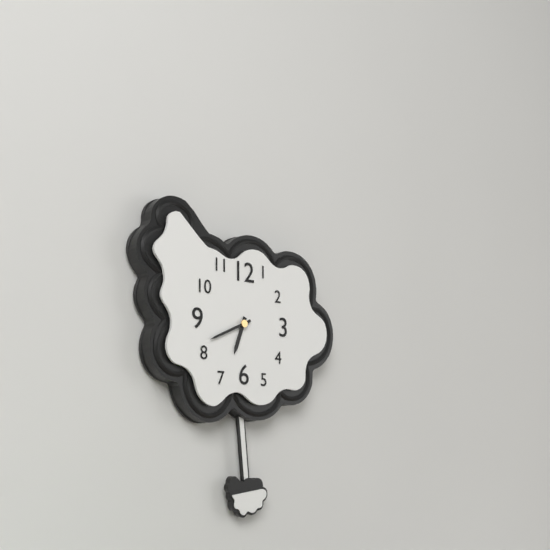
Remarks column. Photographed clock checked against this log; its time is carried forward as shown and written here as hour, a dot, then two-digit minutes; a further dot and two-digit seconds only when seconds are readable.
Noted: 6.41
